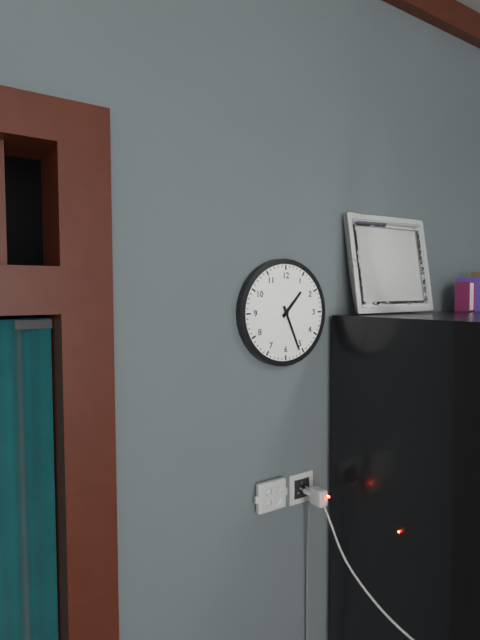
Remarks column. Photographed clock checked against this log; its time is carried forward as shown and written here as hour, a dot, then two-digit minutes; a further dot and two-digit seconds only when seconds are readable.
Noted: 1.26
